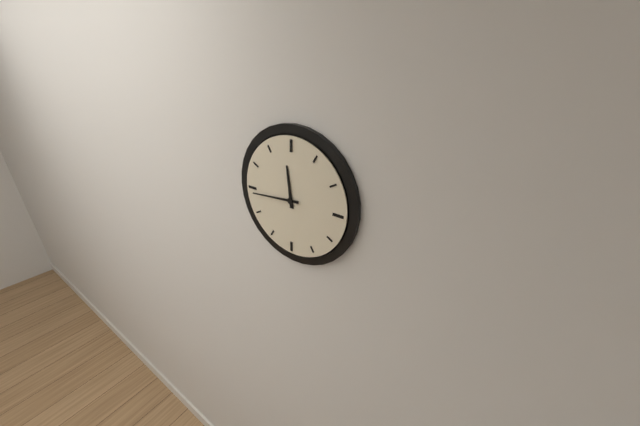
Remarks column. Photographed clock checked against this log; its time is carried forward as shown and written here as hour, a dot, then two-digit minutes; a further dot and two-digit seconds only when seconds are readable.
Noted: 11.44
